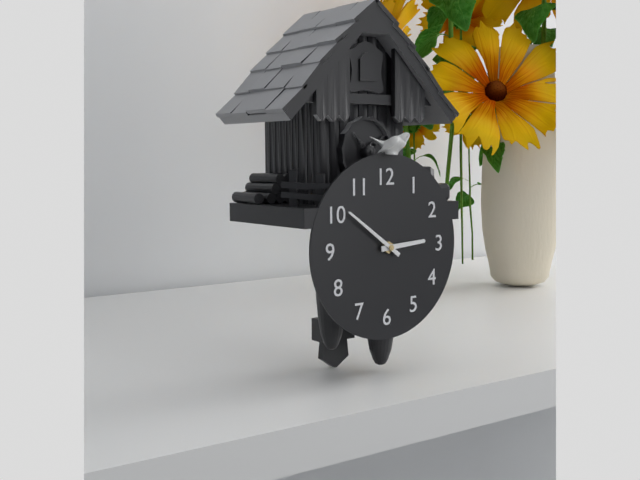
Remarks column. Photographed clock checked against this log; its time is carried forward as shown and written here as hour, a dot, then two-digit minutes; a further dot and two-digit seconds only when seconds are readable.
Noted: 2.51
